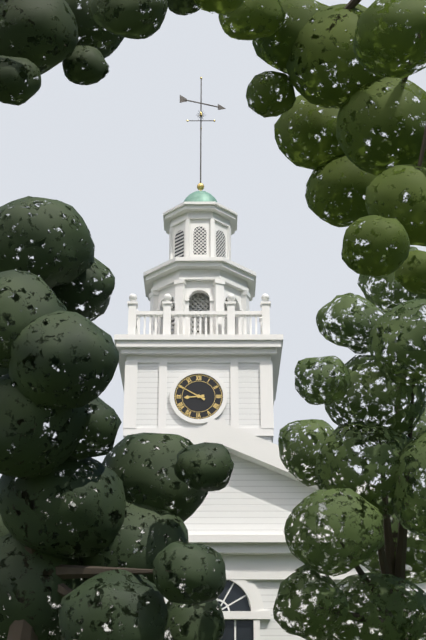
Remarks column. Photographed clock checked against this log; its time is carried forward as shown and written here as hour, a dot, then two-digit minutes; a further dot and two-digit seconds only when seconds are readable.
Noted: 8.50
